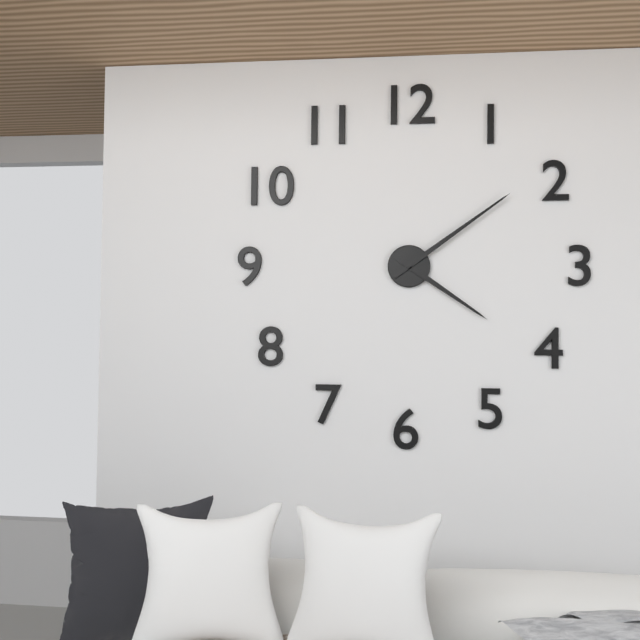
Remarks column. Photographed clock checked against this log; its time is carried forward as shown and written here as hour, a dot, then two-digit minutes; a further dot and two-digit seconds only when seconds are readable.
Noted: 4.09
